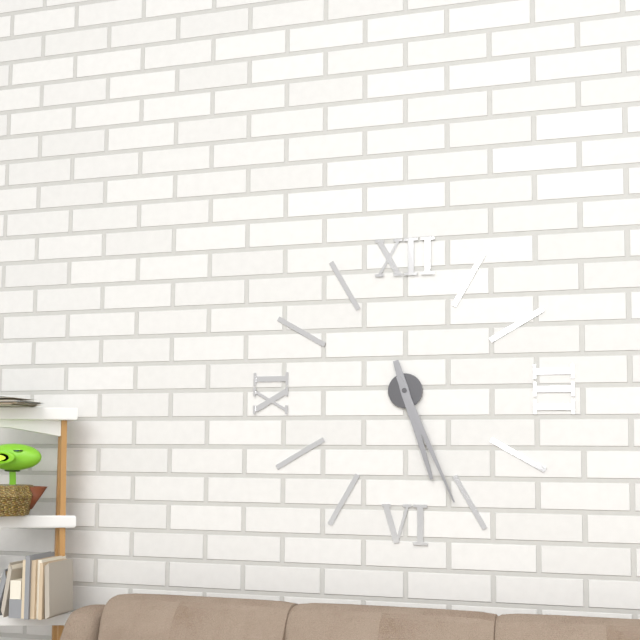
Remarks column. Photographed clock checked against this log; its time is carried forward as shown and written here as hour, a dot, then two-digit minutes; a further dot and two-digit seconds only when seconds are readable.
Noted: 5.26
